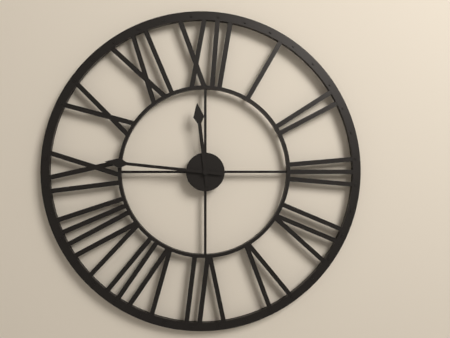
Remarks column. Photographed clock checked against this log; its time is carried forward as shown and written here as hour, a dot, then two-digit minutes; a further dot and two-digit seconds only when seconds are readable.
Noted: 11.46
